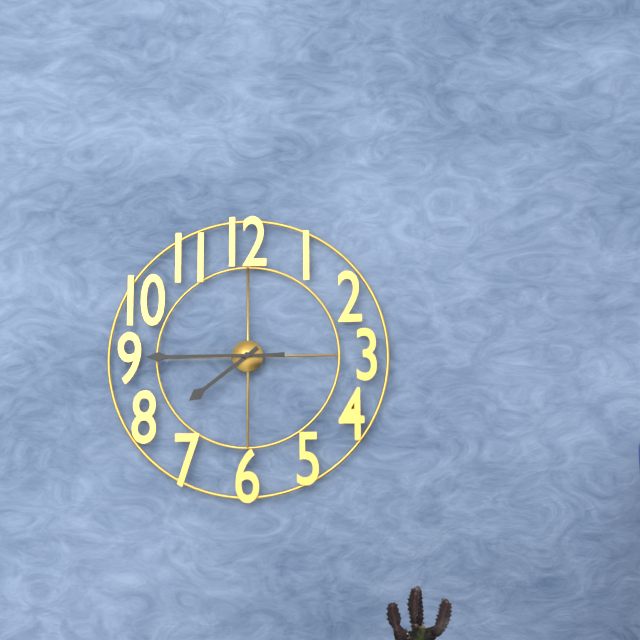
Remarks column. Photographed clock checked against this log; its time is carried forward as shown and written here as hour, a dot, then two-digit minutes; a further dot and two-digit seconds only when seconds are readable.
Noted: 7.45
